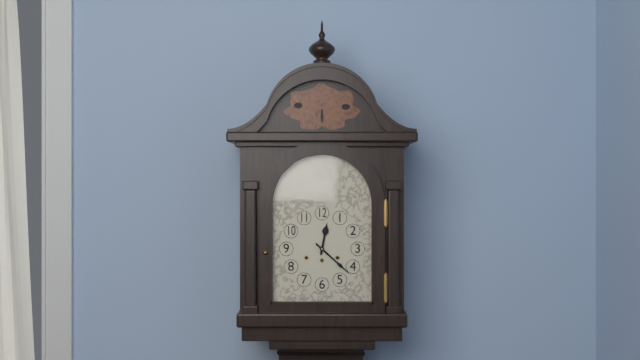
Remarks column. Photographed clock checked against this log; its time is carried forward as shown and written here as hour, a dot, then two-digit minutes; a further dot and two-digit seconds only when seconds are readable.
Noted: 12.22
